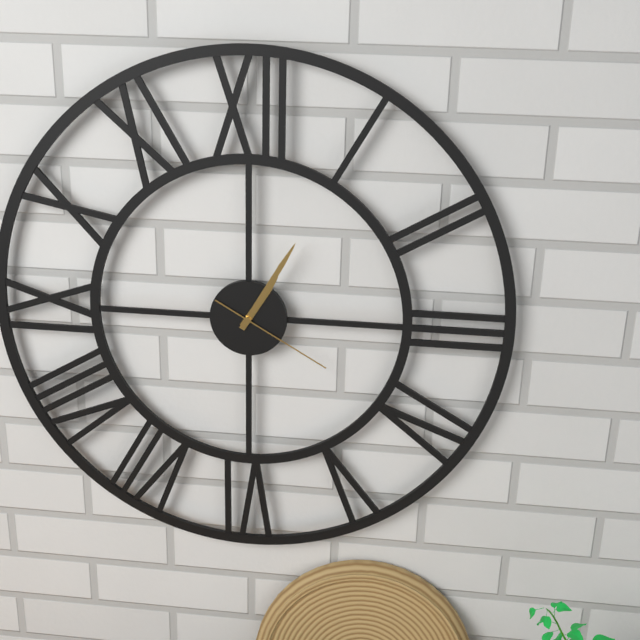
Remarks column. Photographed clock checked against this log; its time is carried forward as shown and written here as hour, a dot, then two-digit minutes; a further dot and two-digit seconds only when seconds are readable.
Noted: 1.05.20
